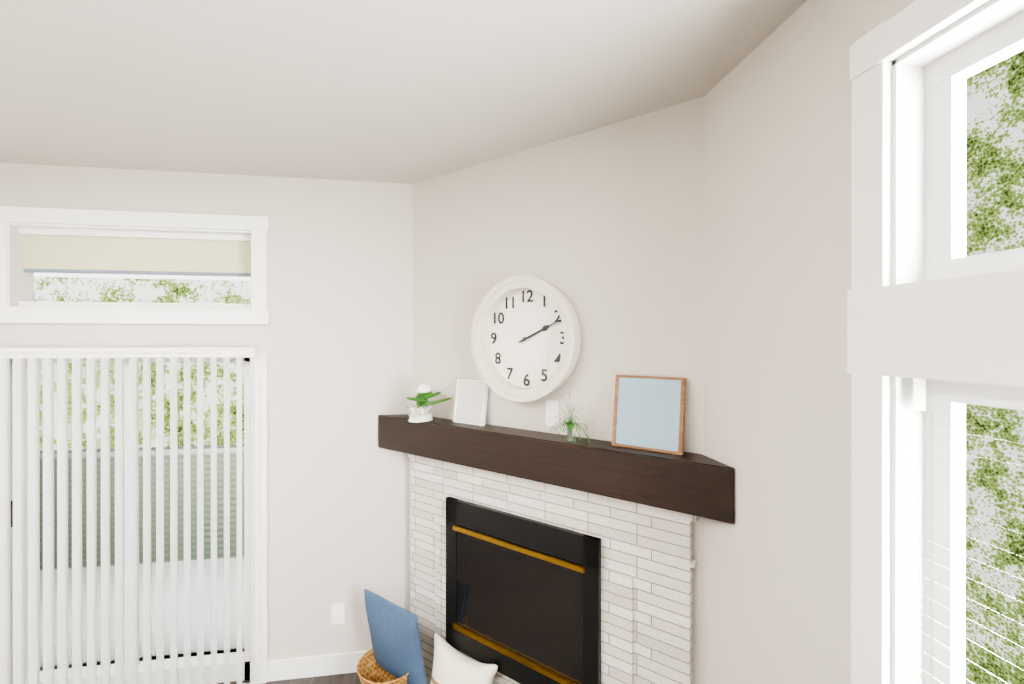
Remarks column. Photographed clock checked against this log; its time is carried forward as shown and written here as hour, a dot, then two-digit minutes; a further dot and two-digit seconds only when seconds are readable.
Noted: 2.11
